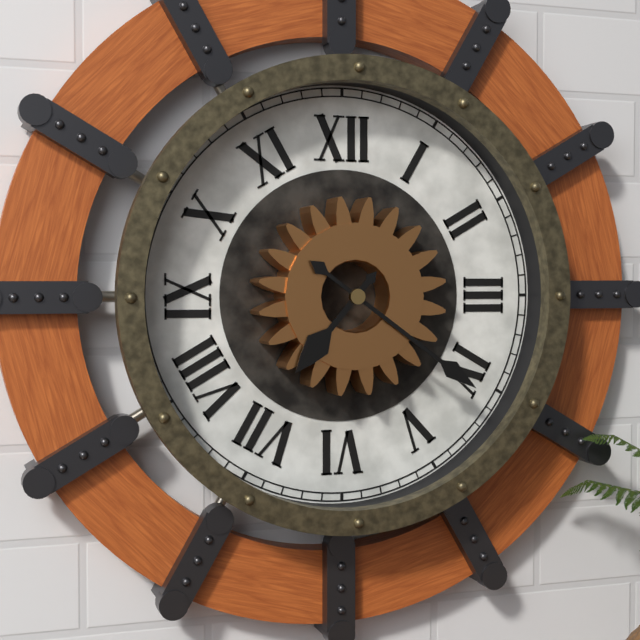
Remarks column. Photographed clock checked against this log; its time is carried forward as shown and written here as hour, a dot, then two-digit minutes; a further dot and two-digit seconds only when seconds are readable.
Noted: 7.21
